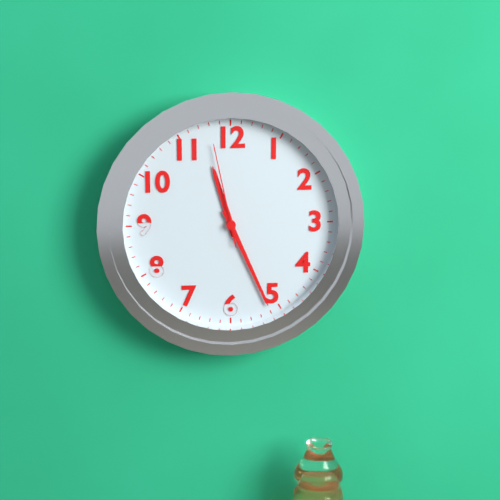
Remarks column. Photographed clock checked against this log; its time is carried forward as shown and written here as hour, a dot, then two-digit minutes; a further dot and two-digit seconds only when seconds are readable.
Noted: 11.26.58
